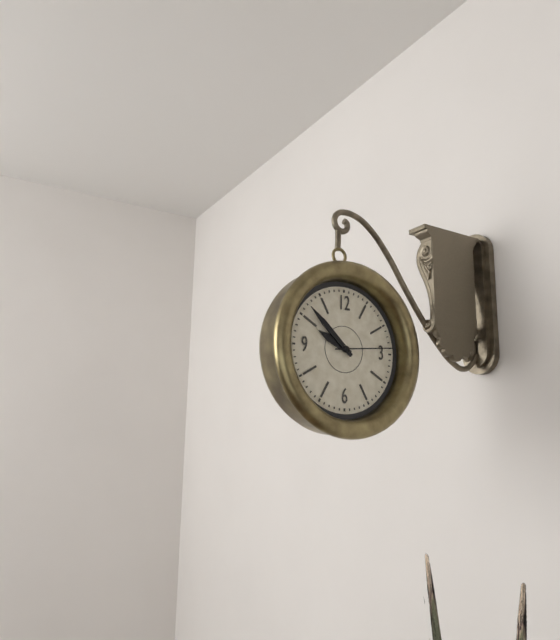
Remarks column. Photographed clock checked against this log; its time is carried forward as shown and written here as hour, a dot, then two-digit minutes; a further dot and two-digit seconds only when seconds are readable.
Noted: 9.52.14
